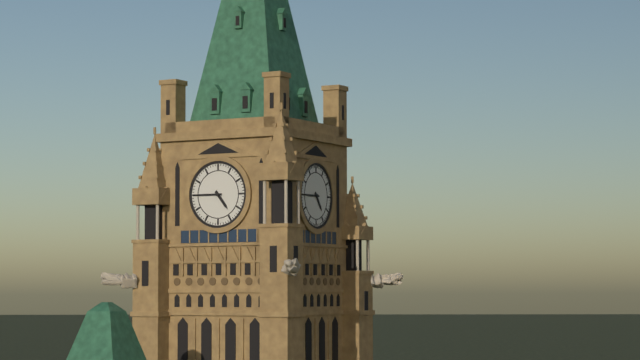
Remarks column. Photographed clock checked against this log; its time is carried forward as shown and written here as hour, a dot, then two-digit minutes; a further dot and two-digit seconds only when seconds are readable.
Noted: 4.45
